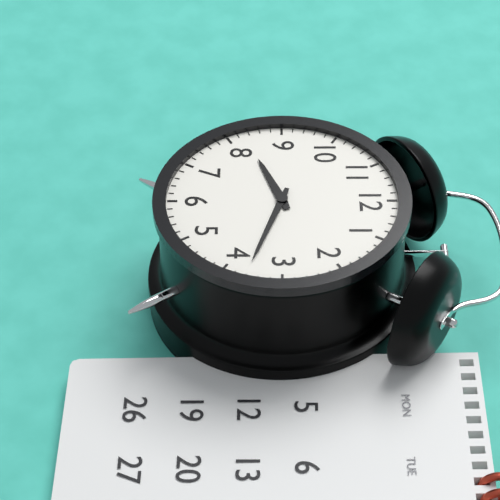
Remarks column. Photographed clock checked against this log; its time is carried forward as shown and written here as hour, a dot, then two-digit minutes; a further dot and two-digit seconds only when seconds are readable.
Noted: 8.18
